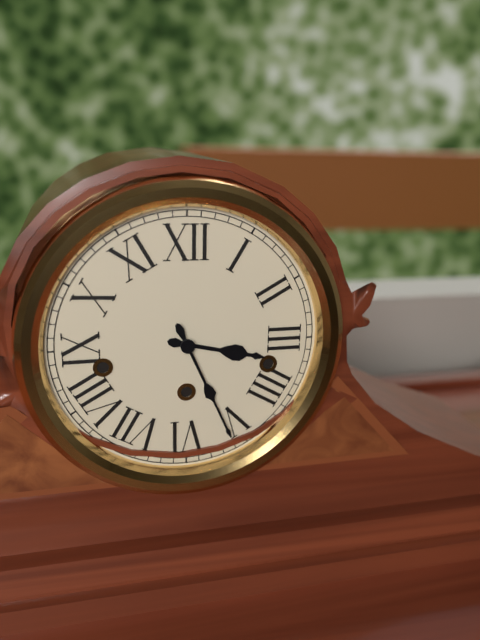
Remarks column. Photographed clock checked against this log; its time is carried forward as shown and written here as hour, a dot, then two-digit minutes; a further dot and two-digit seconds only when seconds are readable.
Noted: 3.26
